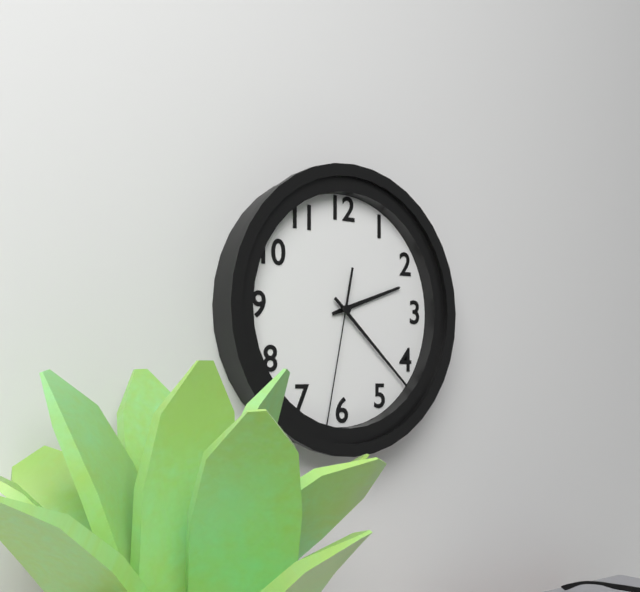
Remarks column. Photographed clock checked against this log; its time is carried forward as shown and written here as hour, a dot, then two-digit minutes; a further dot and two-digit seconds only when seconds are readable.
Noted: 2.22.32
